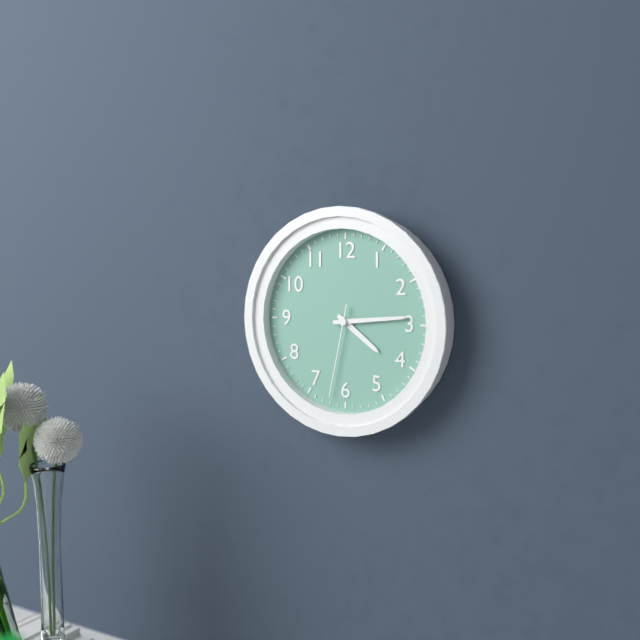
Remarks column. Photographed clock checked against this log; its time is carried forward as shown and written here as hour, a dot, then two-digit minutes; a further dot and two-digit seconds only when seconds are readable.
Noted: 4.14.32
